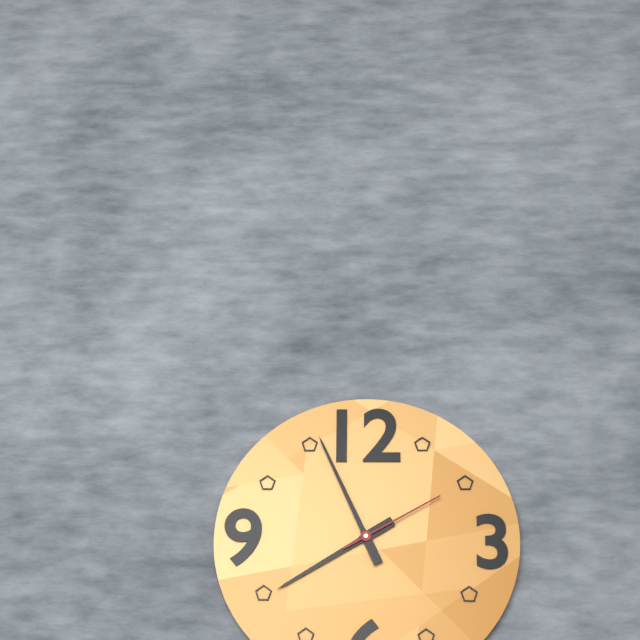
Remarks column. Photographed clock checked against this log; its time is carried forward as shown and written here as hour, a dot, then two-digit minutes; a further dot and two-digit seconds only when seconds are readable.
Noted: 7.56.10
